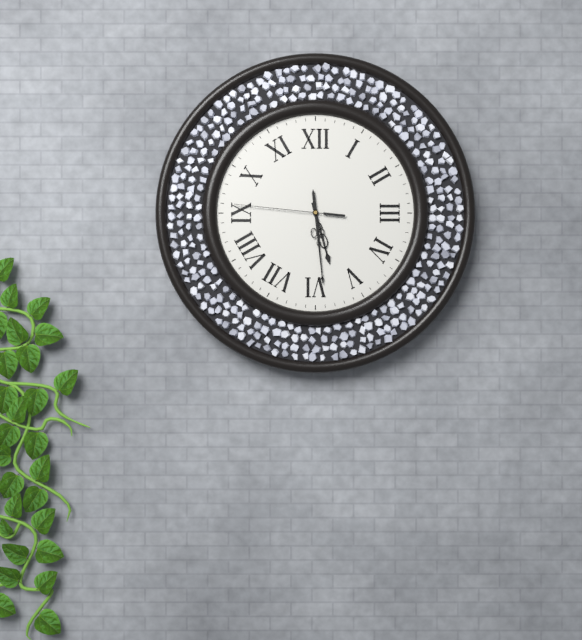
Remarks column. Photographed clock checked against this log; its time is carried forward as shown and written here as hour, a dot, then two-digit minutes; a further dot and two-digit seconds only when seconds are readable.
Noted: 5.29.46
